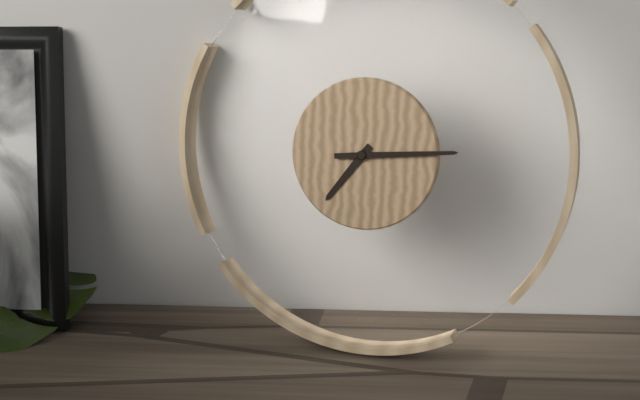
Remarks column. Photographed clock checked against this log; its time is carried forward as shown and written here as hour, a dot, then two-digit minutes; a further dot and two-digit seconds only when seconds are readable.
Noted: 7.14
